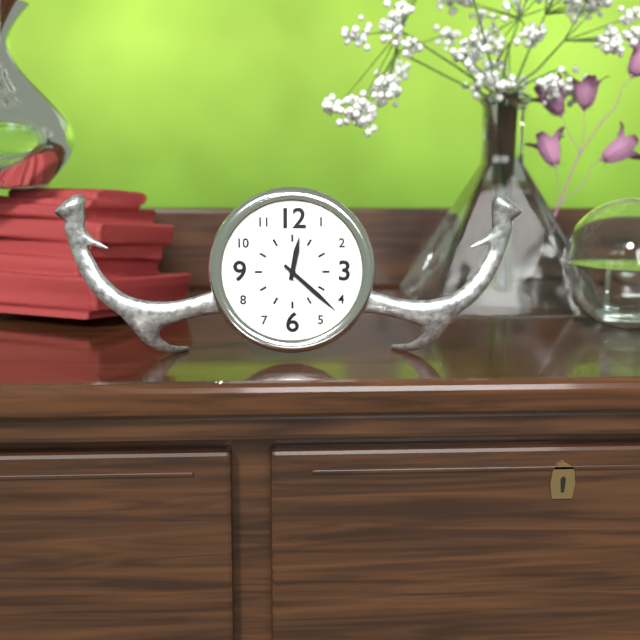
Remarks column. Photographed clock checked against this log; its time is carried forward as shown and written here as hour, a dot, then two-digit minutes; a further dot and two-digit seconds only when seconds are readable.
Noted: 12.22
